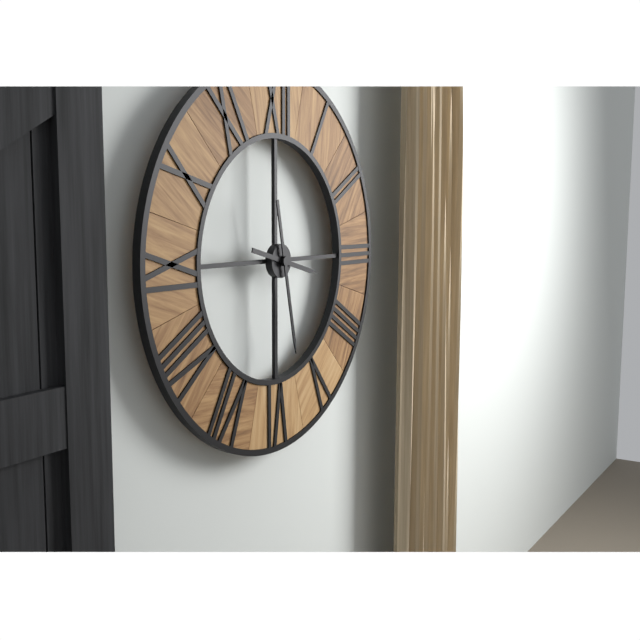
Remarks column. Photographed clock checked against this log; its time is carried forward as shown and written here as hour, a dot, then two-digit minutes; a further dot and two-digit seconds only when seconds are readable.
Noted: 3.28
